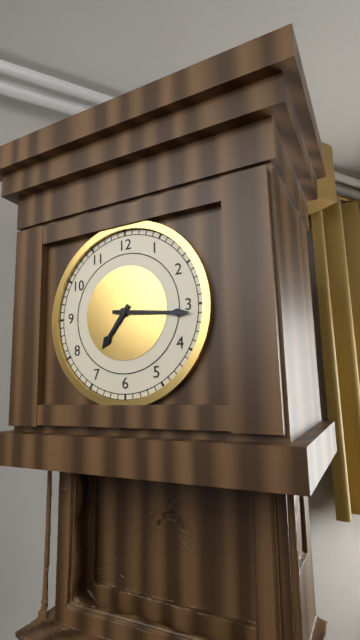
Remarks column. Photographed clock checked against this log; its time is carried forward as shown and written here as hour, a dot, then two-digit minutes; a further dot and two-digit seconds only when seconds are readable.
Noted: 7.16
